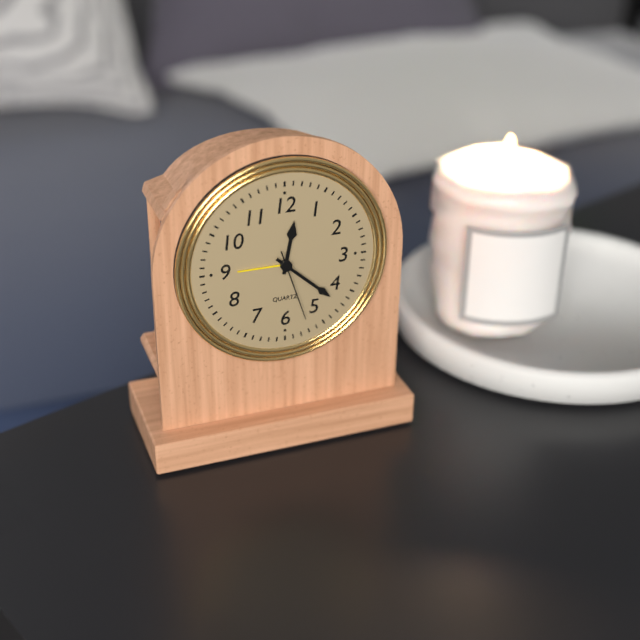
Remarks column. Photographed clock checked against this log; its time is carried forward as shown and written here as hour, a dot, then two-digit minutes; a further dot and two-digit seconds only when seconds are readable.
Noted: 12.22.27
